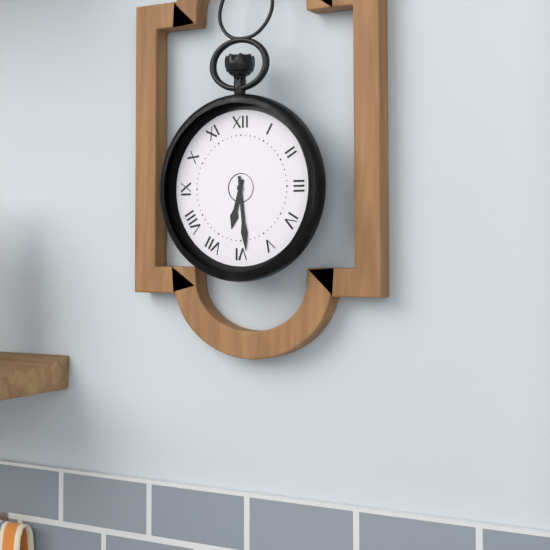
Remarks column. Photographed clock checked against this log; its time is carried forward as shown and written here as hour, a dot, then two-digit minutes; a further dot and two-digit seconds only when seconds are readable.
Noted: 6.29
